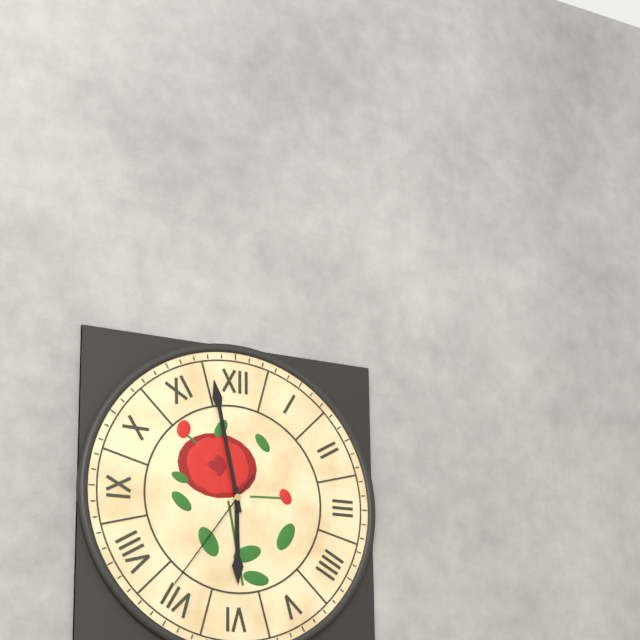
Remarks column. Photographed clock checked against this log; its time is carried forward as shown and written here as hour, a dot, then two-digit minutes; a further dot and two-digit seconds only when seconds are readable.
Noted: 5.58.36
